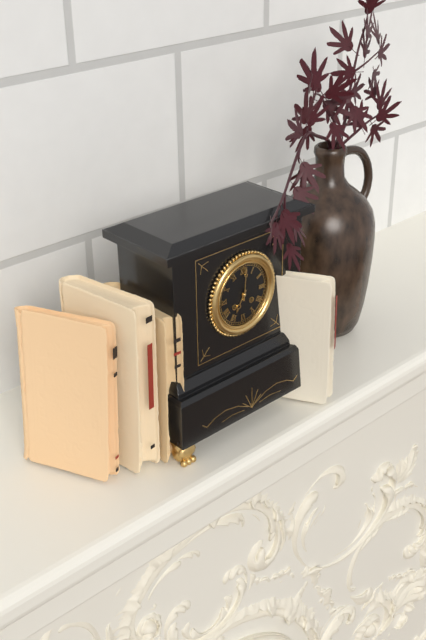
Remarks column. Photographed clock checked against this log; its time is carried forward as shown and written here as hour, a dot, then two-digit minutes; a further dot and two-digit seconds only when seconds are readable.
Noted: 7.01
